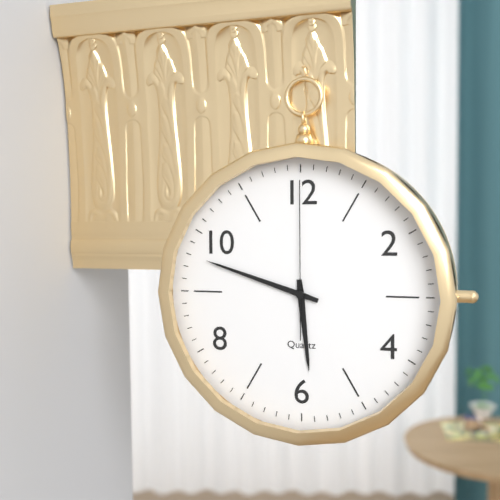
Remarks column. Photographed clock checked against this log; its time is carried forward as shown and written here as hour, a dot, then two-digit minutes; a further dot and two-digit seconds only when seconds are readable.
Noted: 5.48.00
